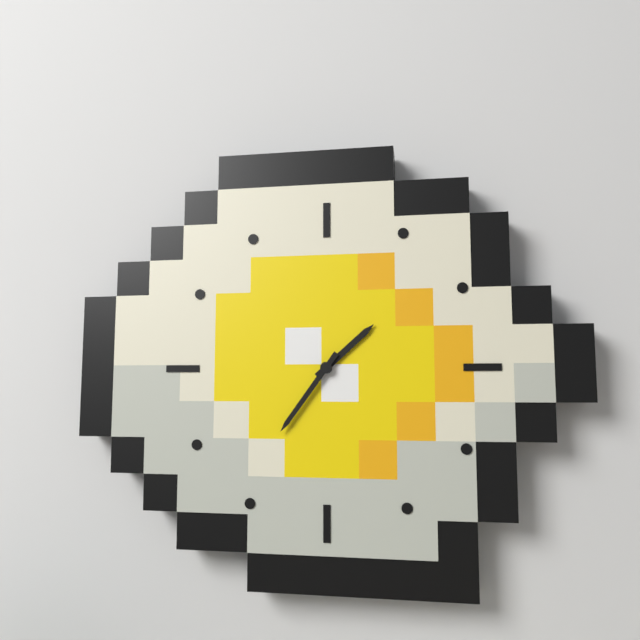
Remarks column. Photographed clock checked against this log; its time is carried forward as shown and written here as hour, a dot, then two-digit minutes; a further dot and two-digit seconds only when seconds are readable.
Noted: 1.36
